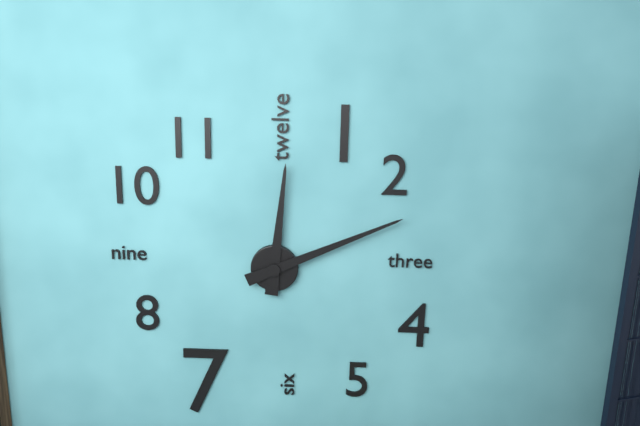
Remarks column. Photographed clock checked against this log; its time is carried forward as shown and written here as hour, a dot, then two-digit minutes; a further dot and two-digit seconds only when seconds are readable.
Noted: 12.11
